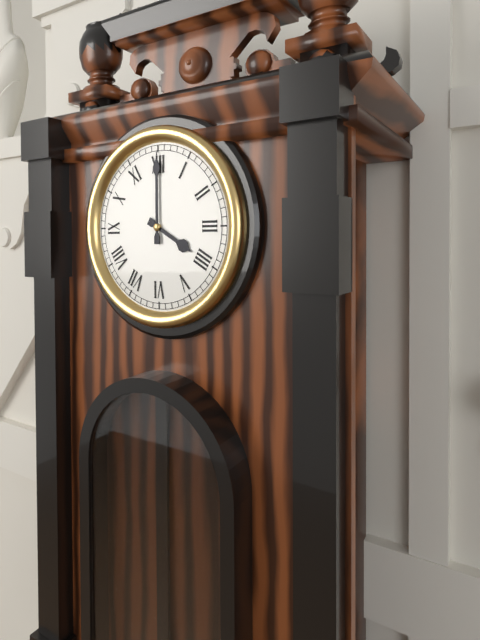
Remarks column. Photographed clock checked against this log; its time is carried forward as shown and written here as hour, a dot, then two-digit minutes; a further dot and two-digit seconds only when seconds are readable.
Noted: 4.00
